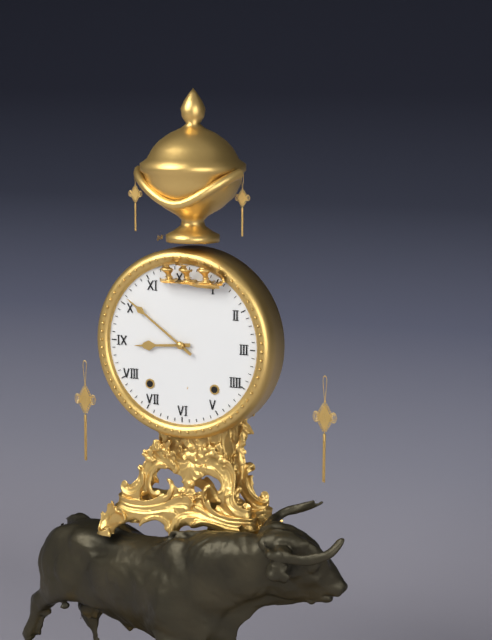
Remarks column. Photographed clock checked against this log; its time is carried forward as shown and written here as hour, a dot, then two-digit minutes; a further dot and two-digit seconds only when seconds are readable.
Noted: 8.51
